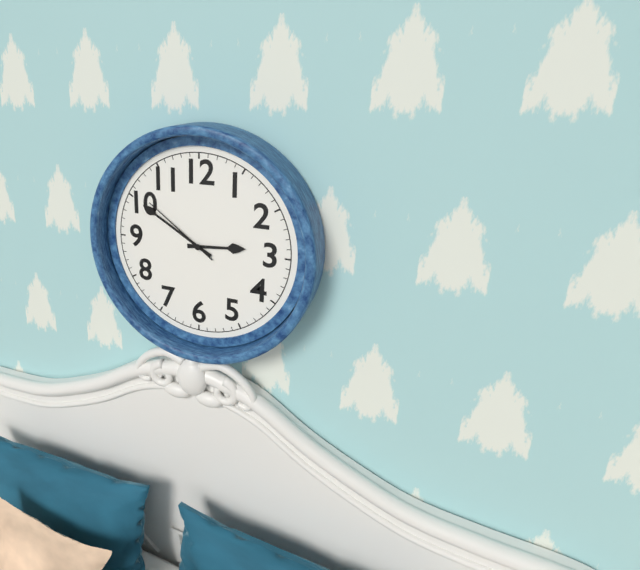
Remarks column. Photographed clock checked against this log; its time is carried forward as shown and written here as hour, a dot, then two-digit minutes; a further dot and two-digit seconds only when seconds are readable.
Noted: 2.50.51
